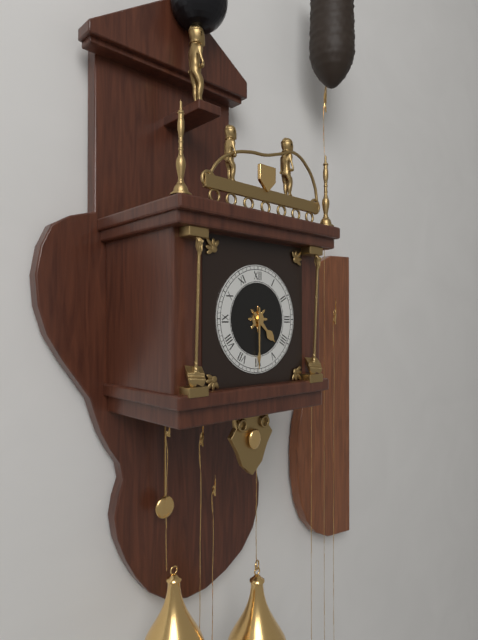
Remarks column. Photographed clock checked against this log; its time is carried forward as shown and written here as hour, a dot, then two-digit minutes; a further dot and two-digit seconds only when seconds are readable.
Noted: 4.30
